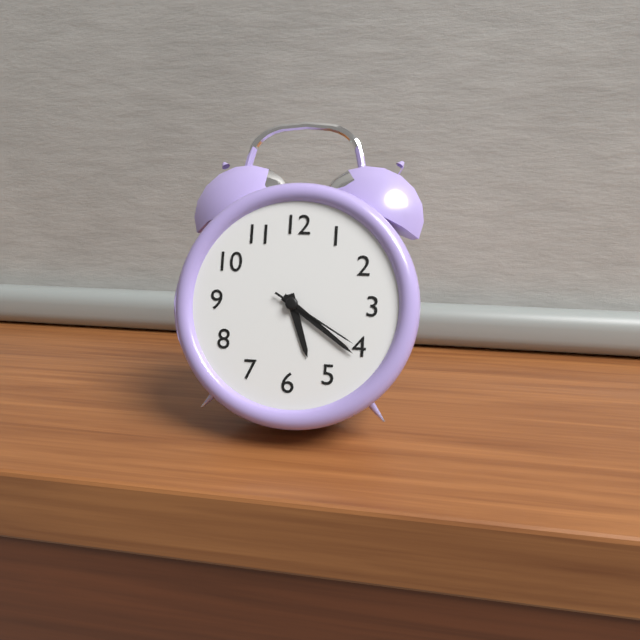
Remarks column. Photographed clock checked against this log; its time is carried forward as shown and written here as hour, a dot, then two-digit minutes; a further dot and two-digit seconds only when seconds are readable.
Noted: 5.21.20
